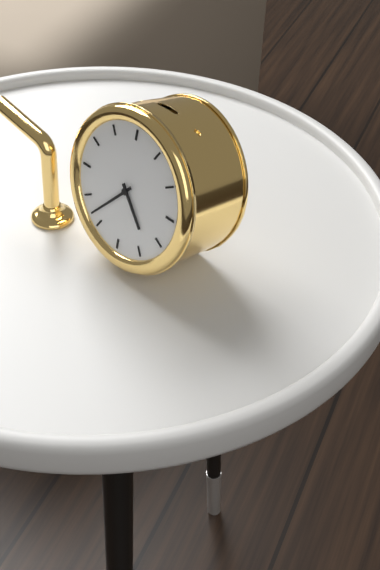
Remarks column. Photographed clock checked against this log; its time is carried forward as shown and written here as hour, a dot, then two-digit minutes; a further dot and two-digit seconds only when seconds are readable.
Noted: 4.37
